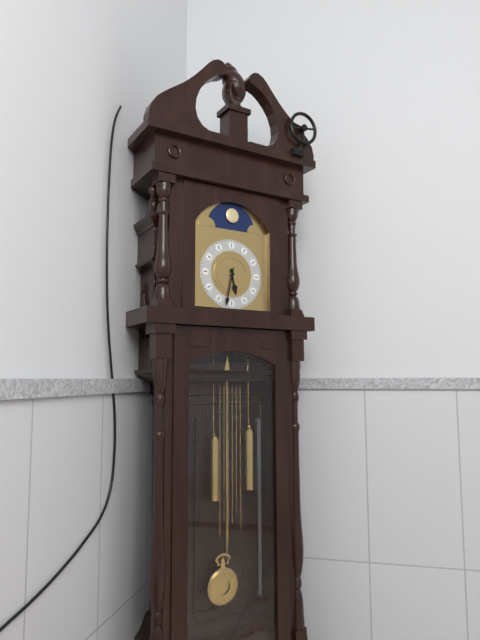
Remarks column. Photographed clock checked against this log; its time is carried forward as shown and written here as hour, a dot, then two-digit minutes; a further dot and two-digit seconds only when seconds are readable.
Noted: 5.32
